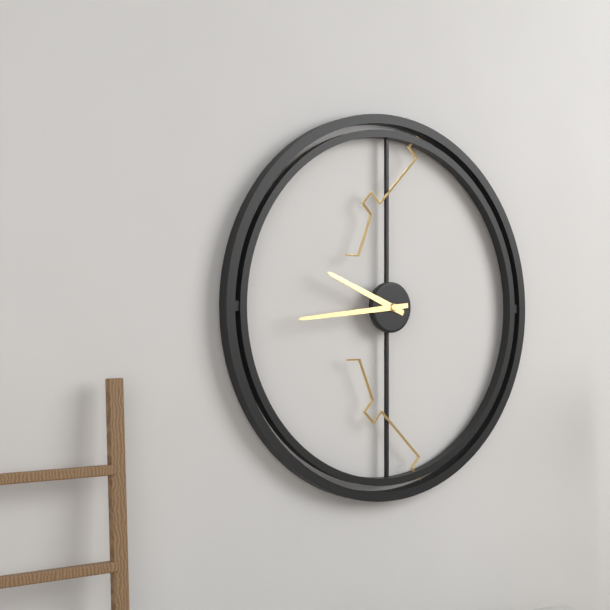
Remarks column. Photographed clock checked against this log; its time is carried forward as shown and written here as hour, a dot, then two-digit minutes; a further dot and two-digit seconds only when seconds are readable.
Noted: 9.44
